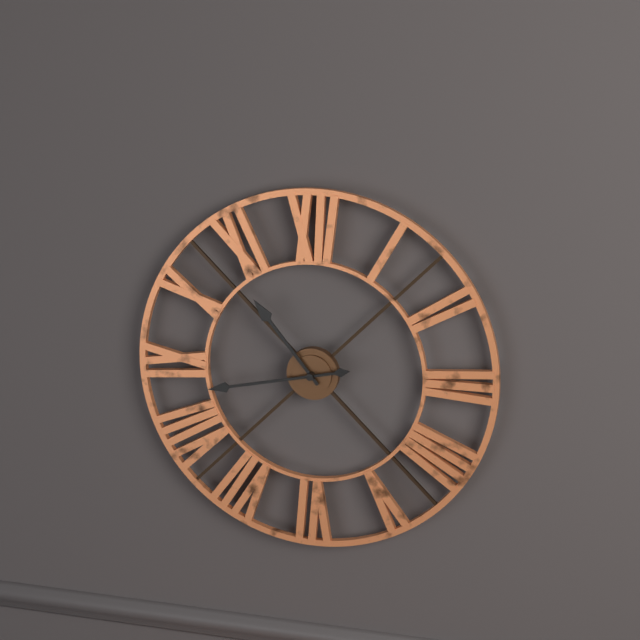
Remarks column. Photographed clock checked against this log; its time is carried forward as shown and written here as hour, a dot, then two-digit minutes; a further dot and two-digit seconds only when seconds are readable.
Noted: 10.43
